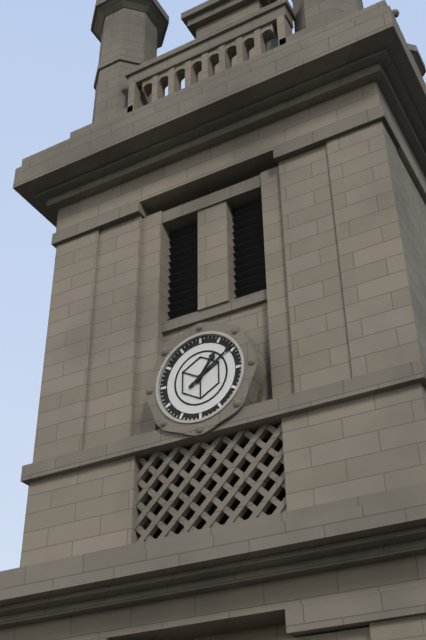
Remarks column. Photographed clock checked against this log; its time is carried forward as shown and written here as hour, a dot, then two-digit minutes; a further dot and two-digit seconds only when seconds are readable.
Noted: 1.09
